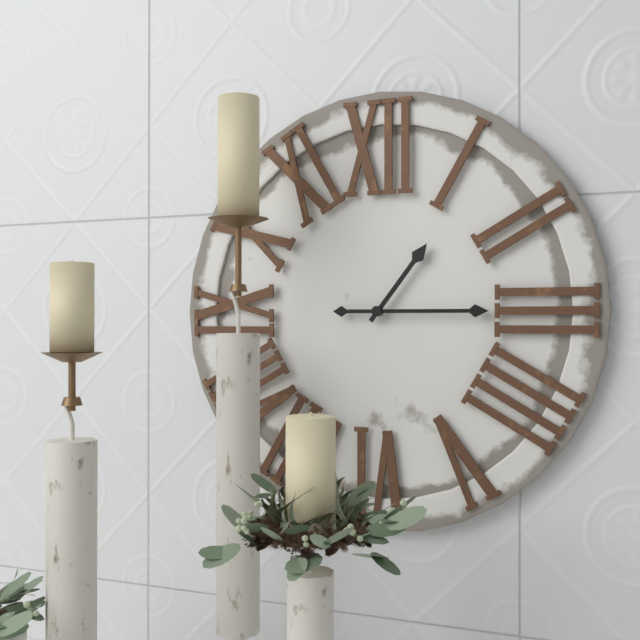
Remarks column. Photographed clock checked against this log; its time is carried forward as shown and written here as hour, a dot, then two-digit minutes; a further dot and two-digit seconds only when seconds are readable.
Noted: 1.15
